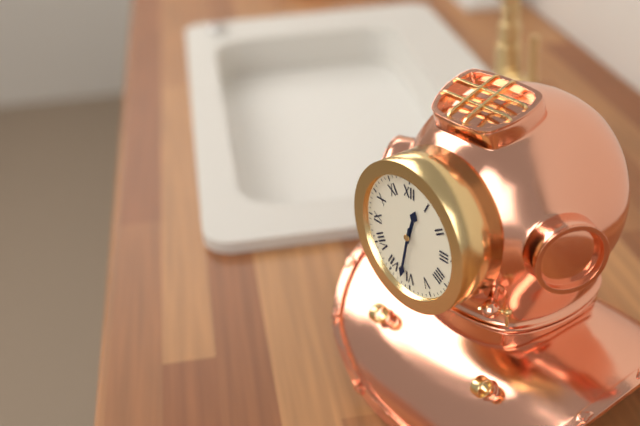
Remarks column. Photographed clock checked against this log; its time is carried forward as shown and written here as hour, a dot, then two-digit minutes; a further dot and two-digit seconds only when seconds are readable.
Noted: 12.32
